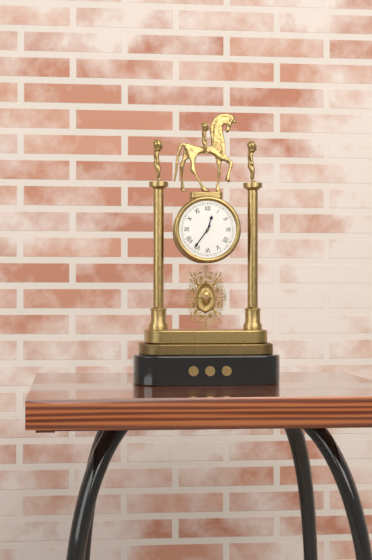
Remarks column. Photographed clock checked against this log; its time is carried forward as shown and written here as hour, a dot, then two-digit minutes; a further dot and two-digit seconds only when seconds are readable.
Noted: 12.36
